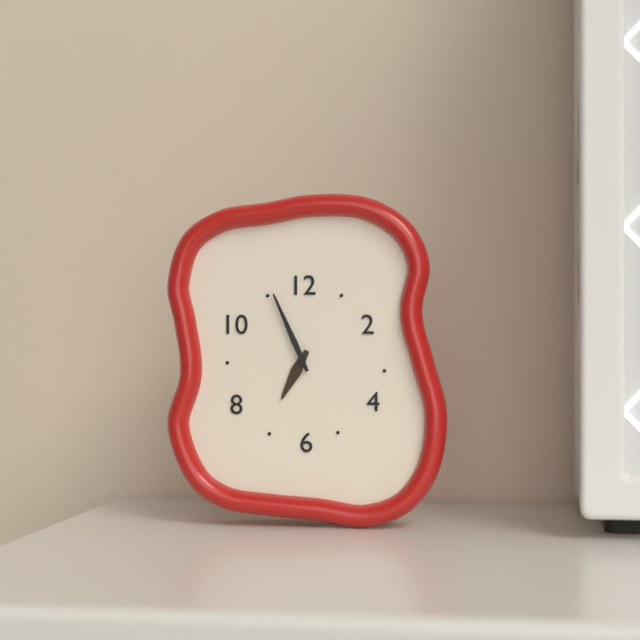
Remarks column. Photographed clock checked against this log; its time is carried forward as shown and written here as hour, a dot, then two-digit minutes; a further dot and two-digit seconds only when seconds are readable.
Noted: 6.56
